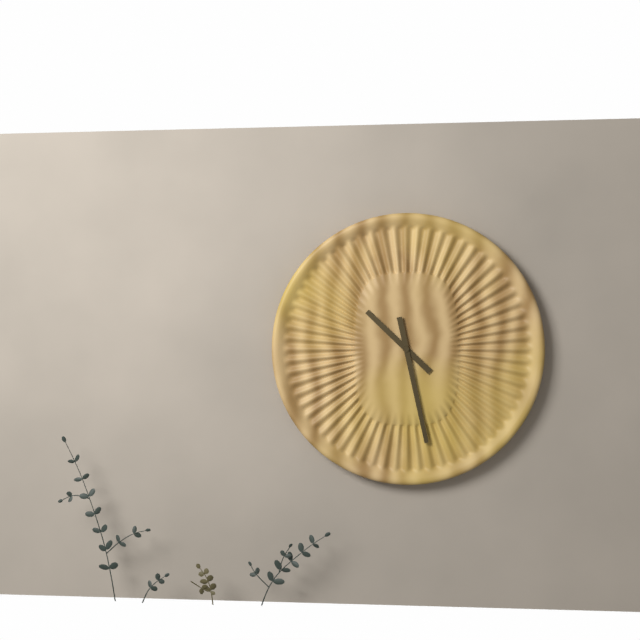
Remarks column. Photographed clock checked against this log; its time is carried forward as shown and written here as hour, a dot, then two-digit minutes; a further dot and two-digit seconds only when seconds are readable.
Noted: 10.28
